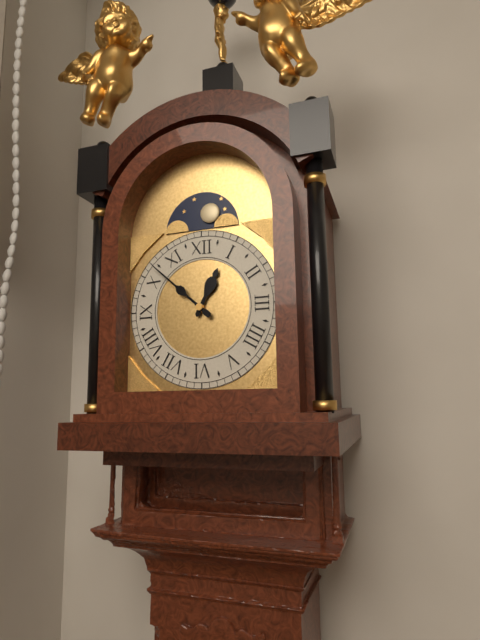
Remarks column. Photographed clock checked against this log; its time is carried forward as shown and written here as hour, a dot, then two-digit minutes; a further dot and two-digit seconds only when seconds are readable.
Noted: 12.52
